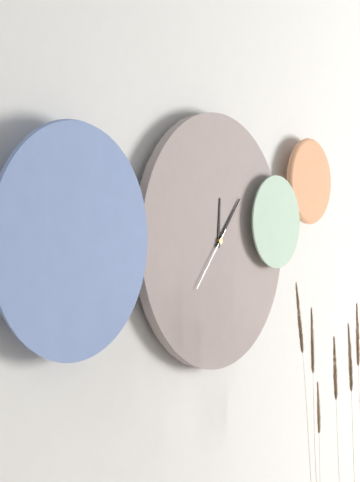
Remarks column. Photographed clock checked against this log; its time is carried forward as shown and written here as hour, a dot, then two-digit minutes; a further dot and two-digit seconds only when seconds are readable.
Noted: 12.07.37
